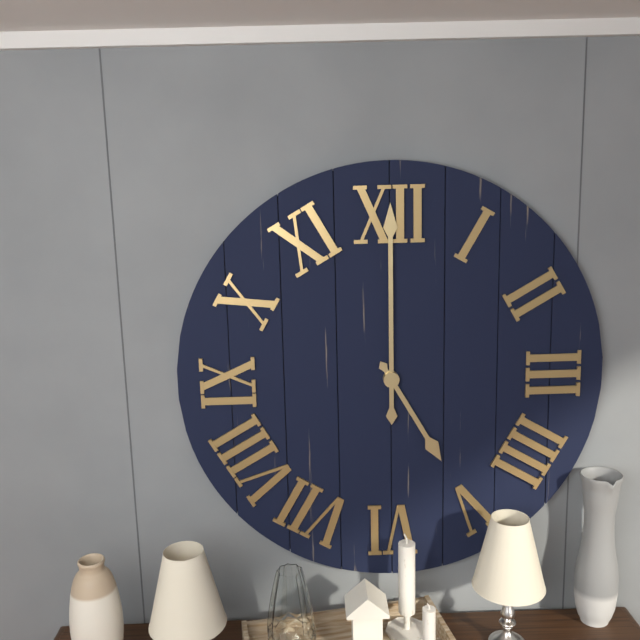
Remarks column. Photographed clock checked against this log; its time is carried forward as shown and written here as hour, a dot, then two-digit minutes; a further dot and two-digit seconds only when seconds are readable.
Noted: 5.00
